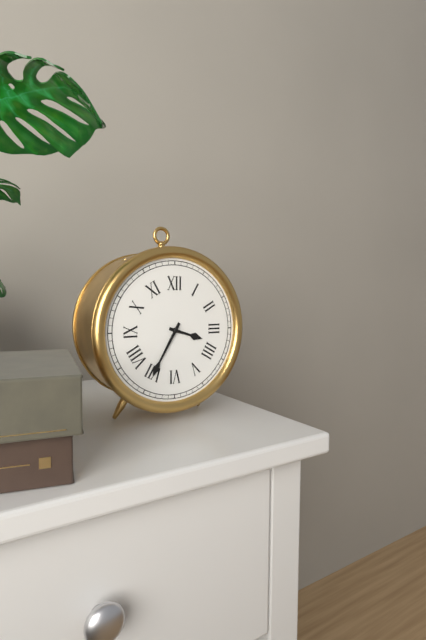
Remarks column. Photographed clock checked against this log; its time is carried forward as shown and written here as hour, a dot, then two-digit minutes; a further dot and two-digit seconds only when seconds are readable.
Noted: 3.35
